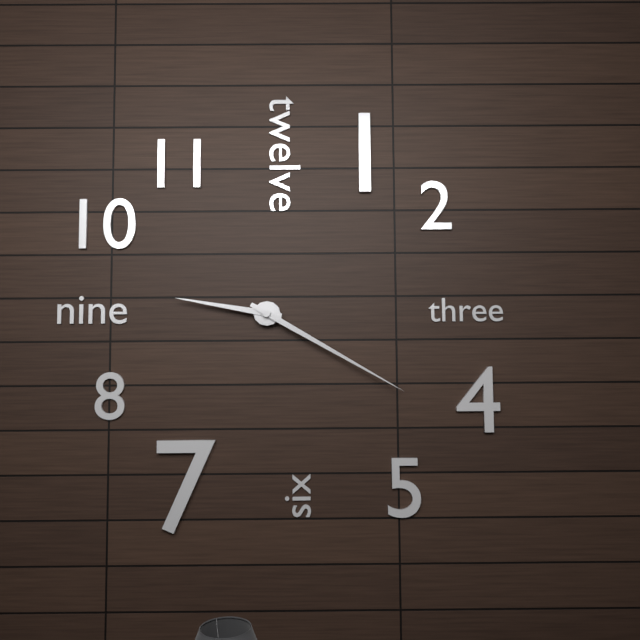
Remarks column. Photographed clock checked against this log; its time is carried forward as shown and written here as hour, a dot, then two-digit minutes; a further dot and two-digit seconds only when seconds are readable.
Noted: 9.20
